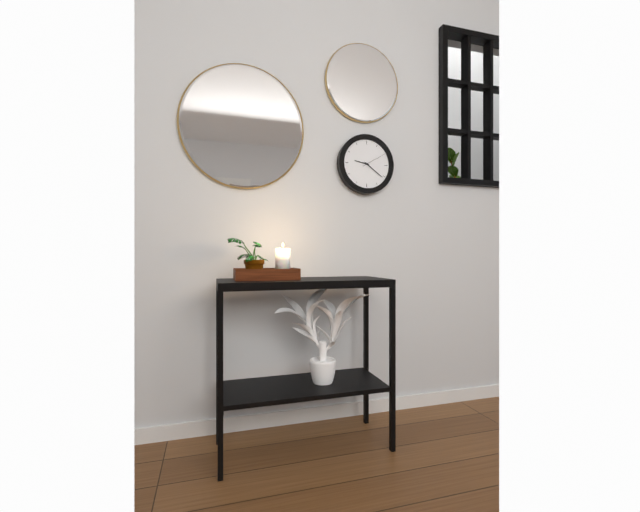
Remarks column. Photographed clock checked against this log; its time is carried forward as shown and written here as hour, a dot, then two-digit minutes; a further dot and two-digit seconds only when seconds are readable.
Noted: 9.21
